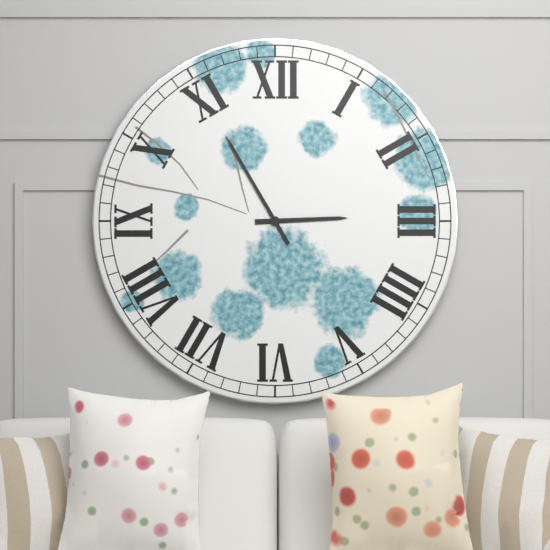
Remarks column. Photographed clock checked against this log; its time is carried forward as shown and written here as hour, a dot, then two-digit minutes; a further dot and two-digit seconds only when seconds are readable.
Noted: 2.55
